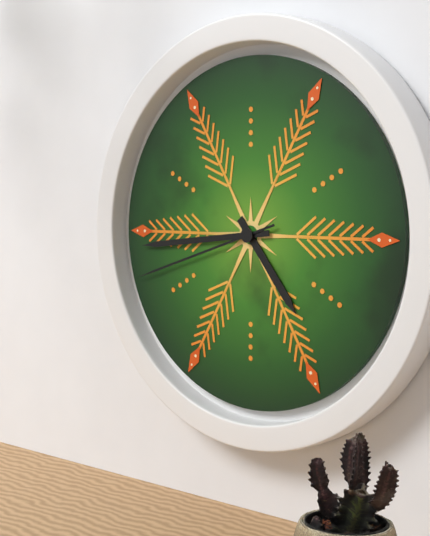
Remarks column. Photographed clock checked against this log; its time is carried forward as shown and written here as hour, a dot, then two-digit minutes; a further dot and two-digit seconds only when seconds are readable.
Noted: 4.44.42
